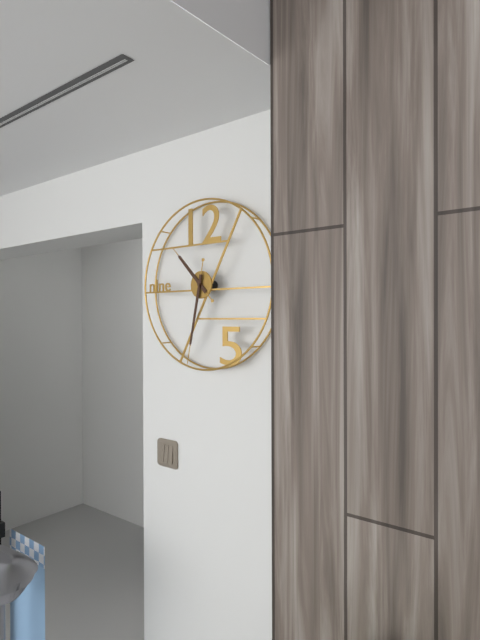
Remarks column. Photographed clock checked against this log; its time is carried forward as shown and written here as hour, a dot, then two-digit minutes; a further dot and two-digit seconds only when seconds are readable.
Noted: 10.32
